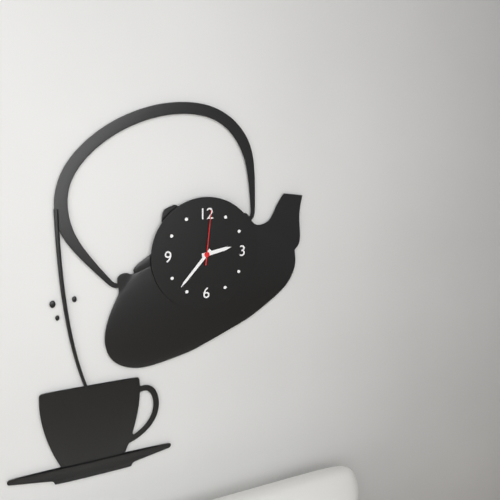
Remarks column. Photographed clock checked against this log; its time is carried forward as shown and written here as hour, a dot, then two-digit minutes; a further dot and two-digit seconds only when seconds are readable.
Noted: 2.37.01
